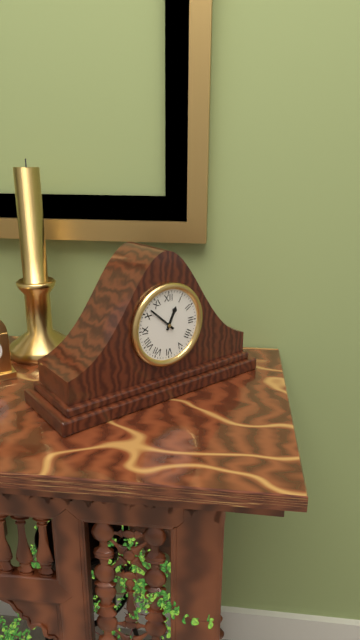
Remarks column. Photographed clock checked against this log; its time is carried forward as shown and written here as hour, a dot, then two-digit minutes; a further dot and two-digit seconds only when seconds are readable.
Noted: 12.52
